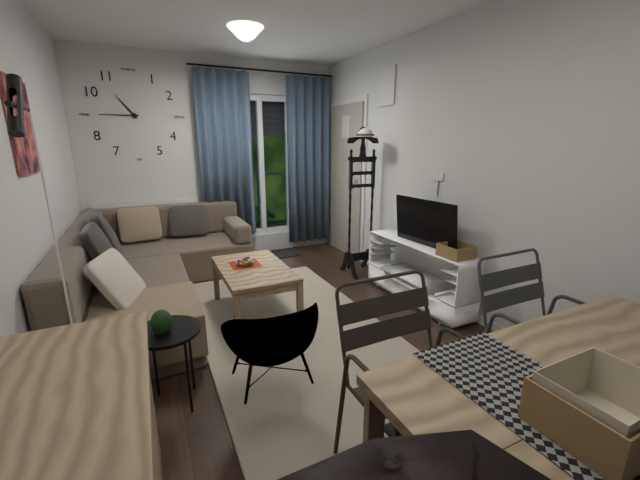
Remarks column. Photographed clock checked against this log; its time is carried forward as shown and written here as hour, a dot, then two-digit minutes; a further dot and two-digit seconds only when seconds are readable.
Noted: 10.45
